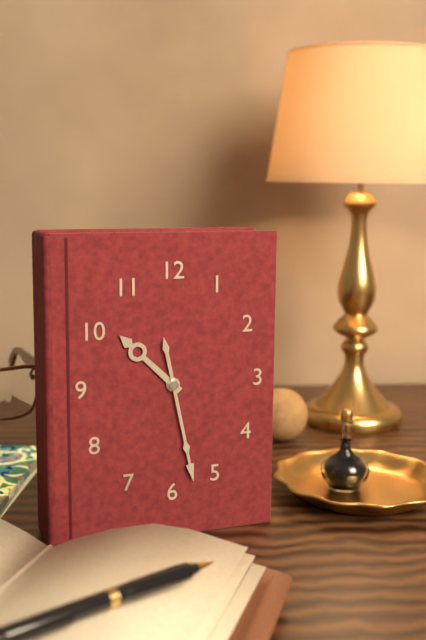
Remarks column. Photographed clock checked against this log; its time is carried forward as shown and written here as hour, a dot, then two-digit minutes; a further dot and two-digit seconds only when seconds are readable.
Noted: 10.28
